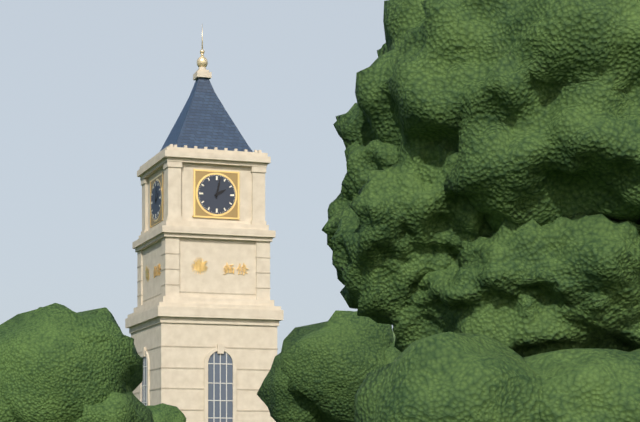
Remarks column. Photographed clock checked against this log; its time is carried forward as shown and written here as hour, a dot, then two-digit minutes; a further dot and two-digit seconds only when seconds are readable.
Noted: 2.02
